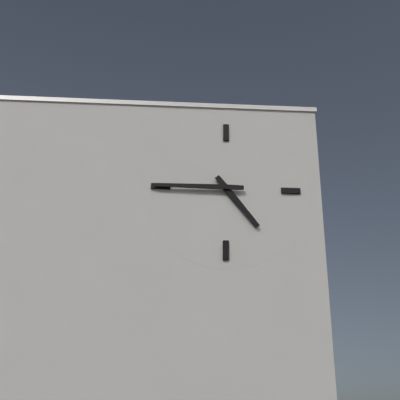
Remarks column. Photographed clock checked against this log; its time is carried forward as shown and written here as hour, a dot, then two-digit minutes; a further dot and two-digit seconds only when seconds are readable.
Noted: 4.45
